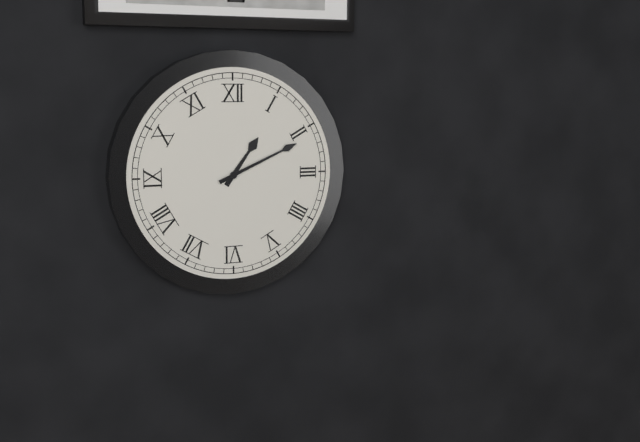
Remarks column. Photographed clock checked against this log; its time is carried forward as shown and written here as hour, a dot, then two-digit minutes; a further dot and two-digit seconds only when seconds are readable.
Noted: 1.11
